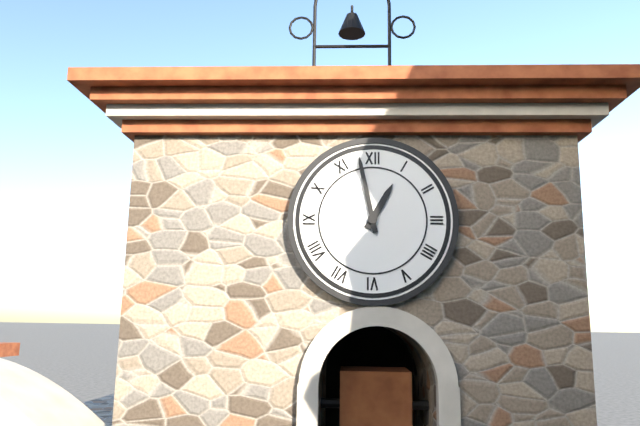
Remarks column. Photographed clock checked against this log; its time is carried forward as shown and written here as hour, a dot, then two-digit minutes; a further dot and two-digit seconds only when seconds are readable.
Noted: 12.58
